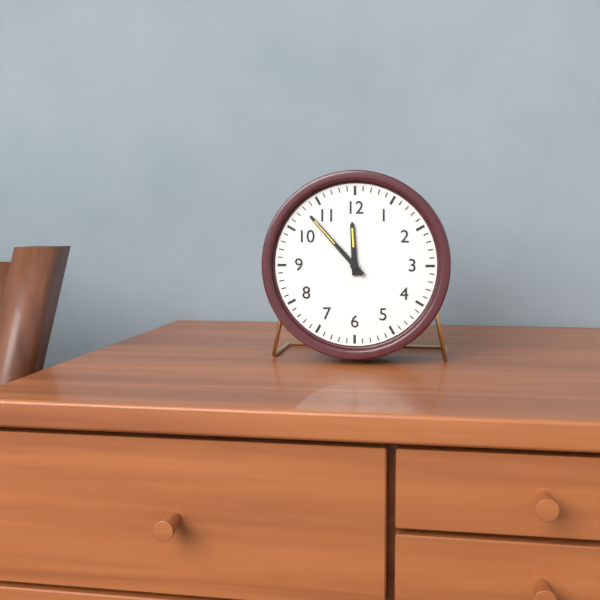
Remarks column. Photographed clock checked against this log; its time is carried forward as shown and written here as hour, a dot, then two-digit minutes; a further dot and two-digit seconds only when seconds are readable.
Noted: 11.53
